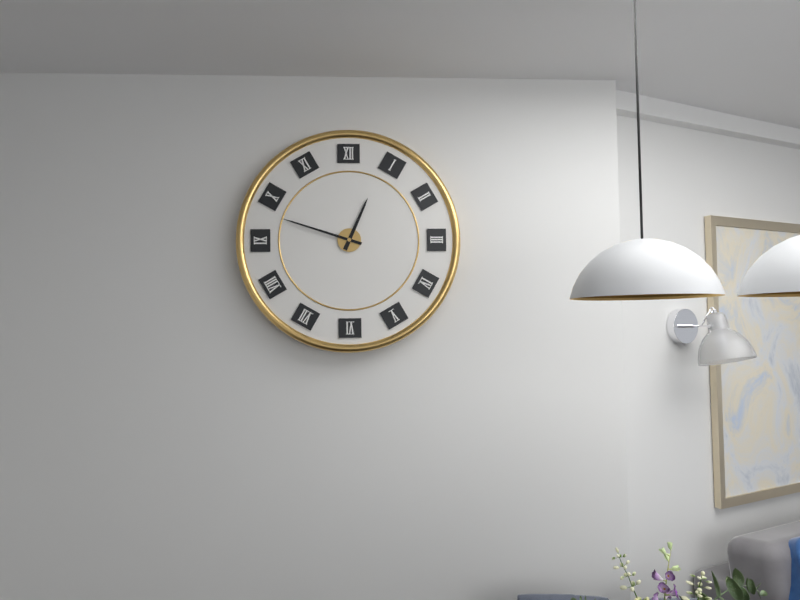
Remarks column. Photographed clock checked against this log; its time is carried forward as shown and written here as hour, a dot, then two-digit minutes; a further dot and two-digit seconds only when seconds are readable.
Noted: 12.48
